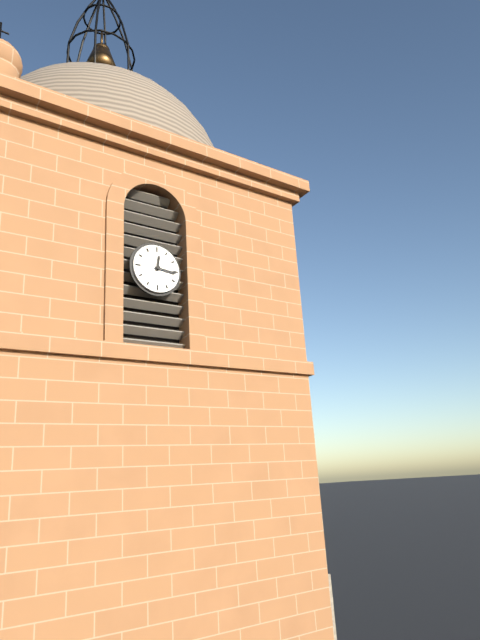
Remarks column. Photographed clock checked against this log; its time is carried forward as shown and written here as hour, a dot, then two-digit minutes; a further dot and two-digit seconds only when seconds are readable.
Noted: 12.16
